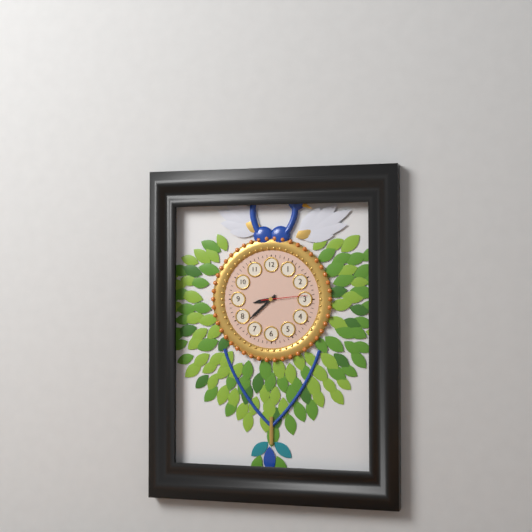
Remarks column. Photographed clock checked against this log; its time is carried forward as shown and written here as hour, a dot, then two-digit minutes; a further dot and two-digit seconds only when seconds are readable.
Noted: 8.38
